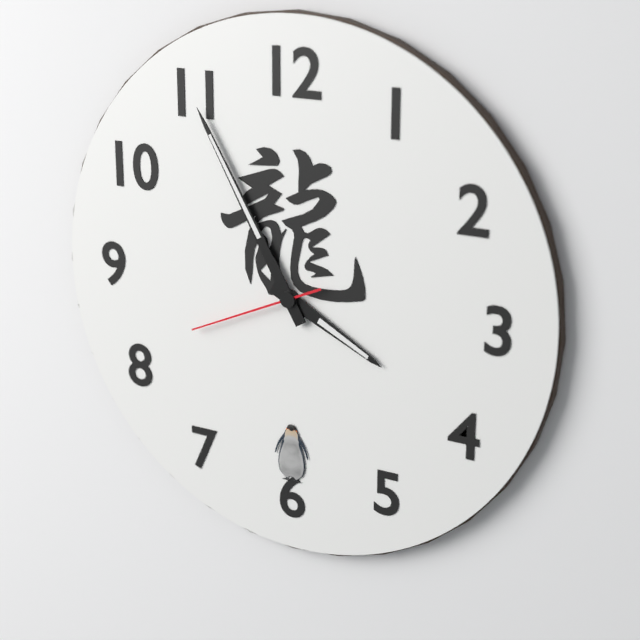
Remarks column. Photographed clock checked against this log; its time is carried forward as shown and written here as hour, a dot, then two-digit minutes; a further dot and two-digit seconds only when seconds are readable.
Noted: 3.55.41
